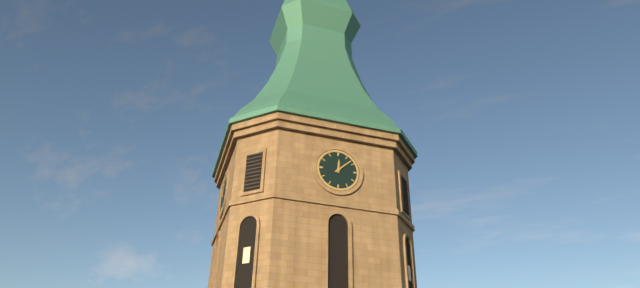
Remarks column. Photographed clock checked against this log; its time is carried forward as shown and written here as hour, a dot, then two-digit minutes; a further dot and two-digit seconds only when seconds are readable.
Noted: 12.08
